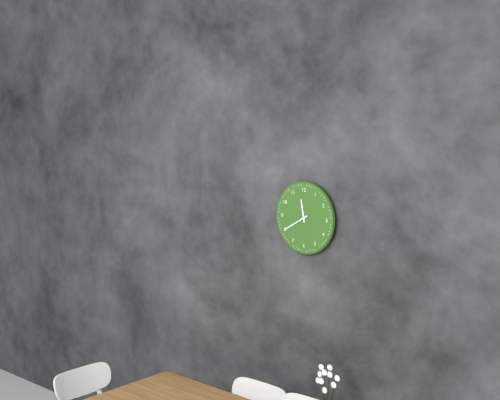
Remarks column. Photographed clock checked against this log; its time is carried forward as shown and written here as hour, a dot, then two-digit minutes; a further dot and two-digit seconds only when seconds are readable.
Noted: 11.40
